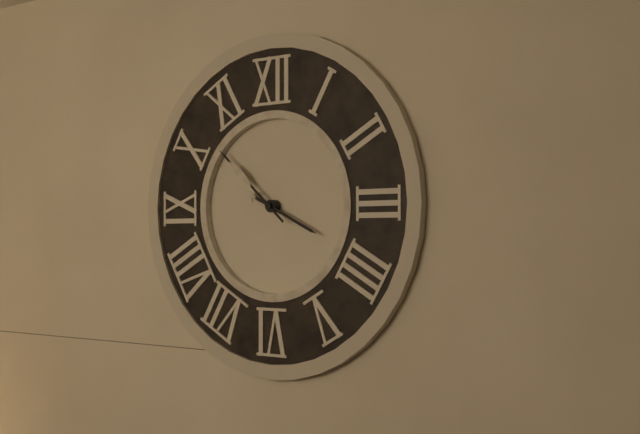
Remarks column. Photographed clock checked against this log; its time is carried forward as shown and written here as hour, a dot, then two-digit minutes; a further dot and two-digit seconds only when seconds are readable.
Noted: 3.52
